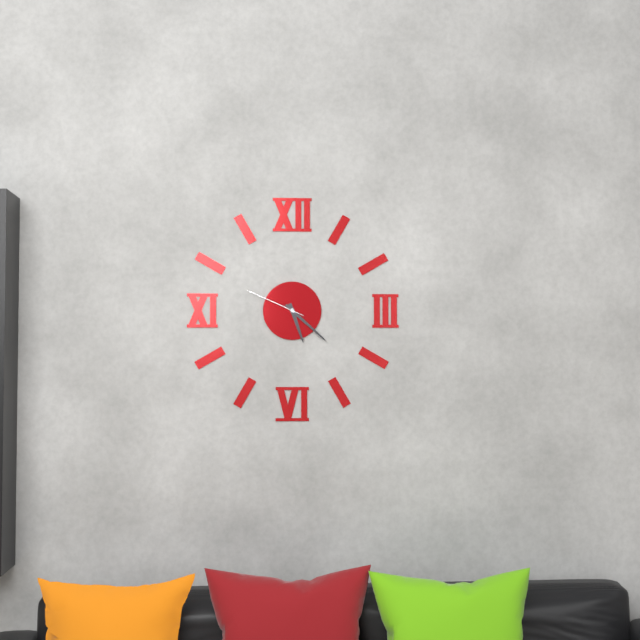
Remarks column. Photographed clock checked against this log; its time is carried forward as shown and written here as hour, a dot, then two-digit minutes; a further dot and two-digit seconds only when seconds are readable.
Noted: 5.22.49
